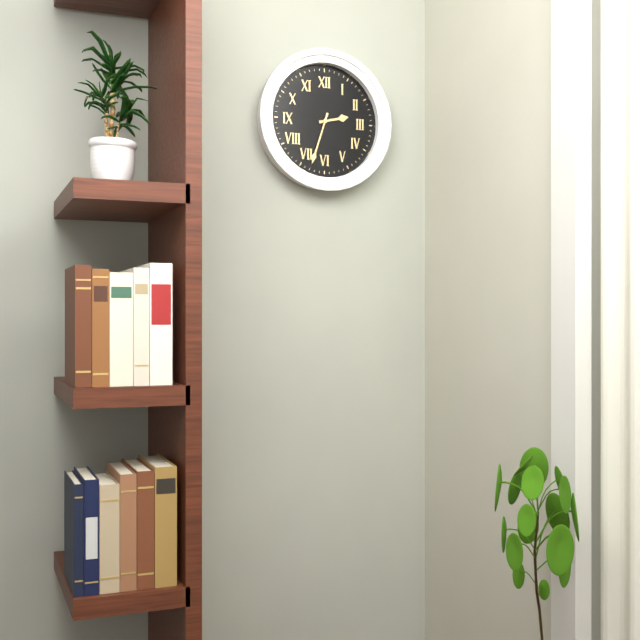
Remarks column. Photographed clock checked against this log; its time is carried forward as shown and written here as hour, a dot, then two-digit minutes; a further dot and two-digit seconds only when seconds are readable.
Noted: 2.33
